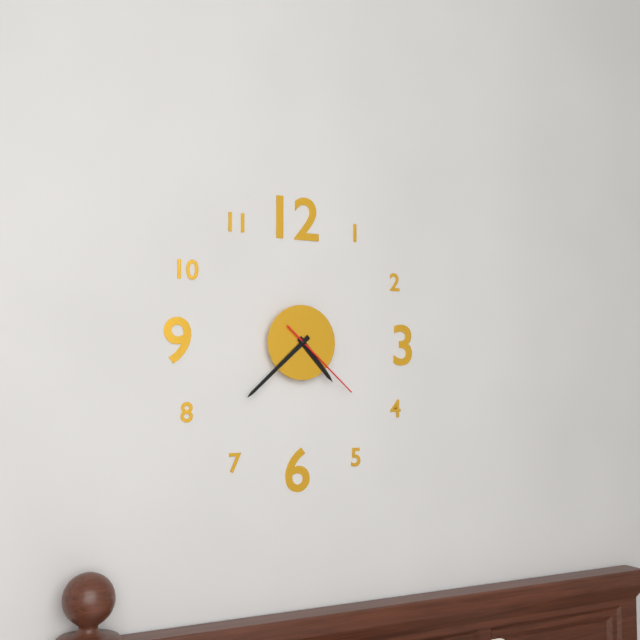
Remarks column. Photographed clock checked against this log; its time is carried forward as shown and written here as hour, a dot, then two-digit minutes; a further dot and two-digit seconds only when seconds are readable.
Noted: 4.38.22
